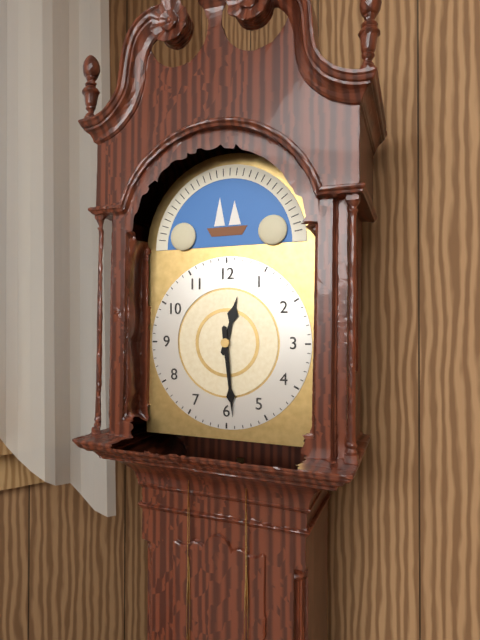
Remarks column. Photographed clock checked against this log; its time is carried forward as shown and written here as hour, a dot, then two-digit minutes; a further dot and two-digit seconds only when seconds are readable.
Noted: 12.29
